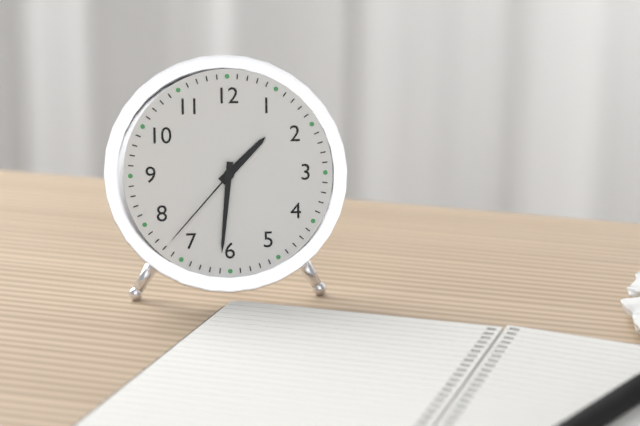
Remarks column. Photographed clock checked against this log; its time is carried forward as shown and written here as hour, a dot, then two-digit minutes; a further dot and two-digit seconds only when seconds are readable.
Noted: 1.31.37
